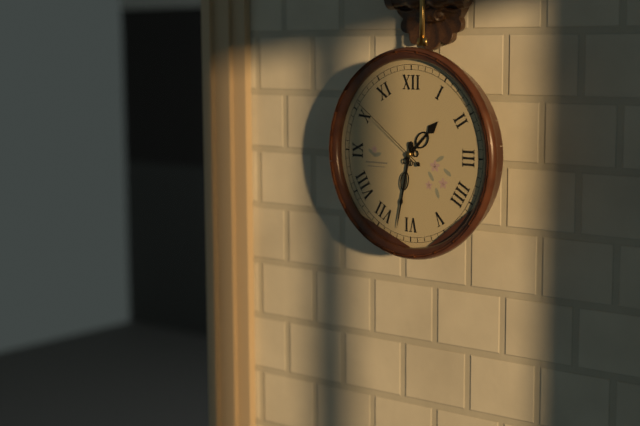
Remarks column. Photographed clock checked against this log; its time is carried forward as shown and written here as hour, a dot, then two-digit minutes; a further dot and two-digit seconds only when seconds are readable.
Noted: 1.32.51
